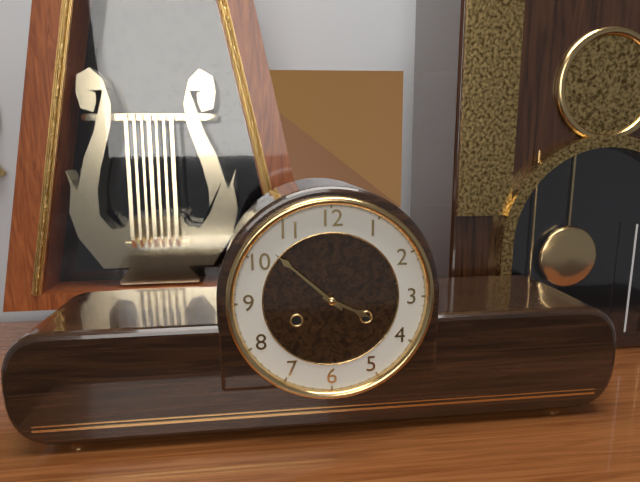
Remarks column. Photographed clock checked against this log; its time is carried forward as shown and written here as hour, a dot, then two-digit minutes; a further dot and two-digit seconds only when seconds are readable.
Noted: 3.52
